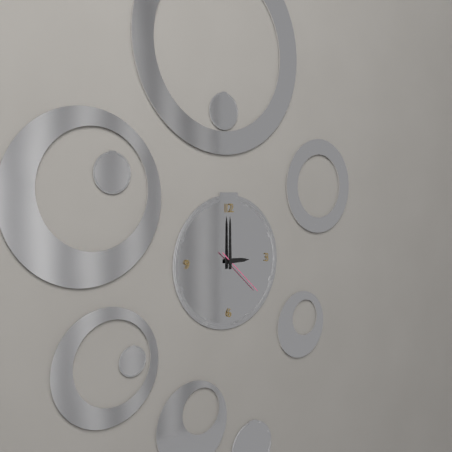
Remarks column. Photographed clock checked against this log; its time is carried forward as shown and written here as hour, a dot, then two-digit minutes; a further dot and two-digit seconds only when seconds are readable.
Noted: 3.00.22
